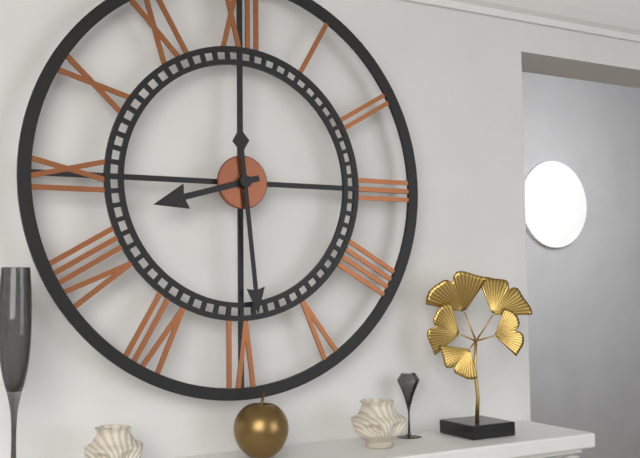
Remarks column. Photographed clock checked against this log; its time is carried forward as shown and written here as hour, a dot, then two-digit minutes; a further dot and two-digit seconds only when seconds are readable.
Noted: 8.29
